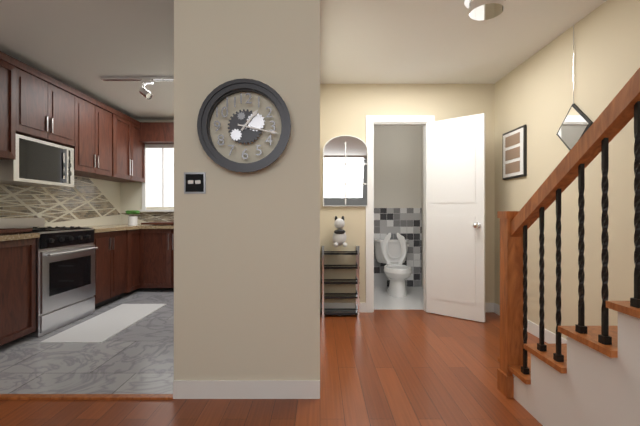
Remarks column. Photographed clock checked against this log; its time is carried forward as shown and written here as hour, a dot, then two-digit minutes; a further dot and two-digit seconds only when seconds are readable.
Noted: 1.17
